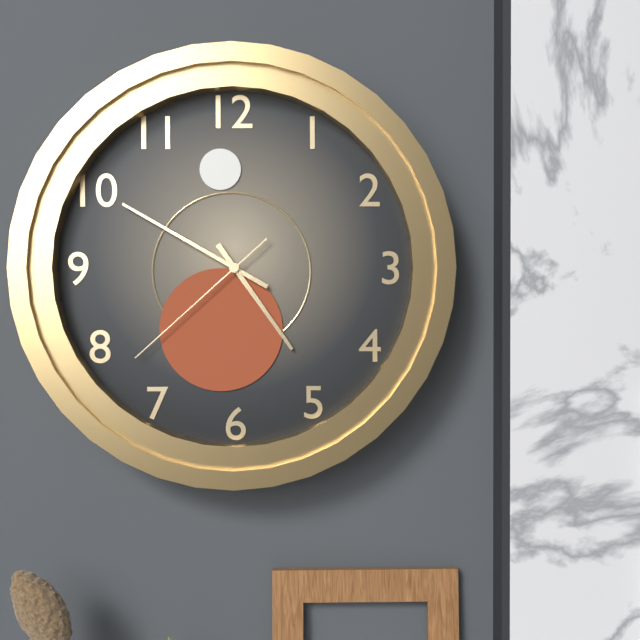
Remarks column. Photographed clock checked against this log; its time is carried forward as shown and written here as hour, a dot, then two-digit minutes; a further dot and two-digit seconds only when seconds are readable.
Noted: 4.50.38
